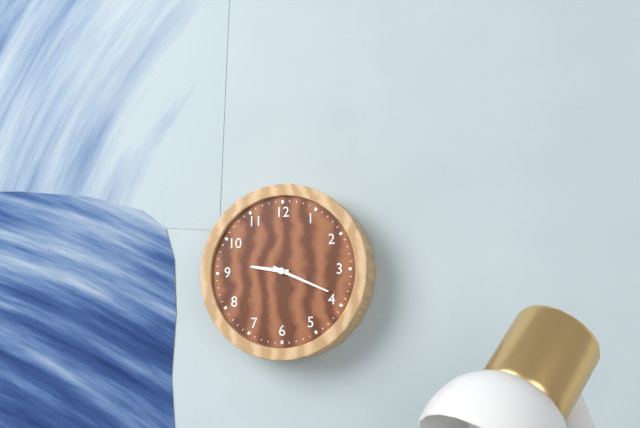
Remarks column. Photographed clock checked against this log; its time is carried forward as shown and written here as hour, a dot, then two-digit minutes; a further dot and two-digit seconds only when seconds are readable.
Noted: 9.19
